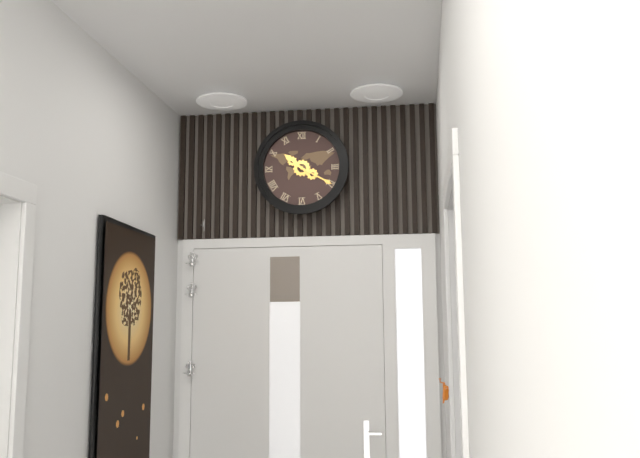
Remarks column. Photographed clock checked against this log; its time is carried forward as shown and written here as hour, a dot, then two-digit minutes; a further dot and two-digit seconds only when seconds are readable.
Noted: 10.20
